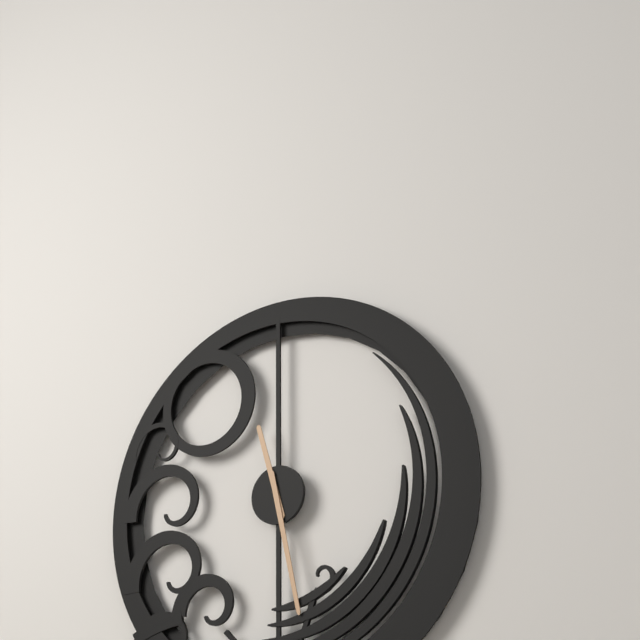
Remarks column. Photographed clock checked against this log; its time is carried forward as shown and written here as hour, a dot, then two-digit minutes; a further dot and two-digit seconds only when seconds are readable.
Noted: 11.28
